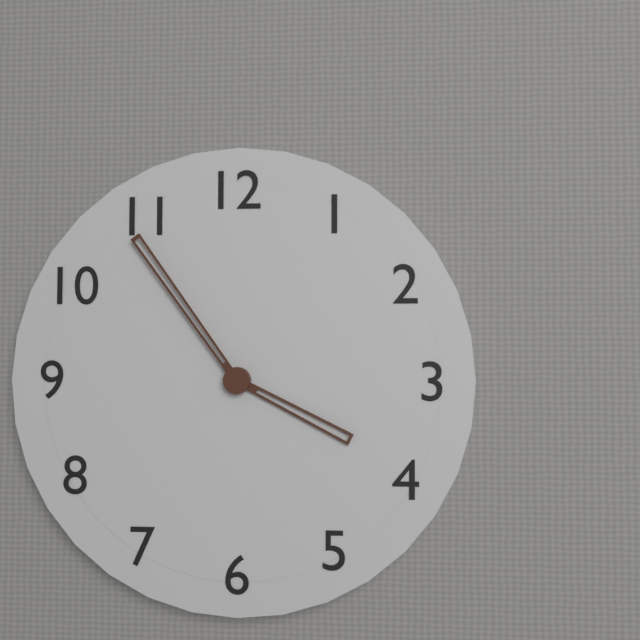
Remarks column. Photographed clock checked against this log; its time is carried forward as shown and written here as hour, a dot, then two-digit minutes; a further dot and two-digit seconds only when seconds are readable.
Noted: 3.54
